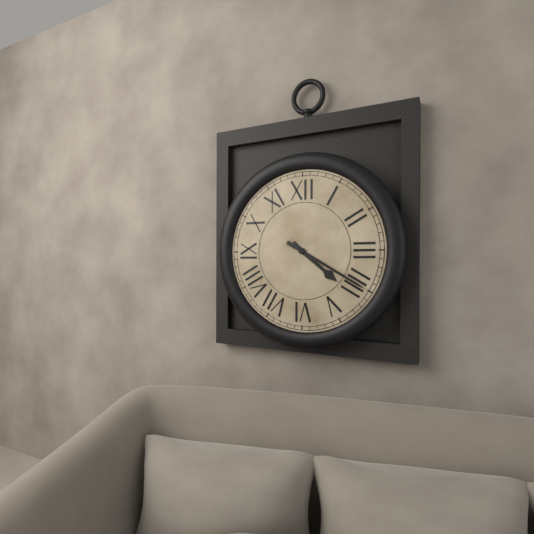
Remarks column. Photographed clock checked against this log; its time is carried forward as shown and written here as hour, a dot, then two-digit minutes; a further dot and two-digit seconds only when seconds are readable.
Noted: 4.20
